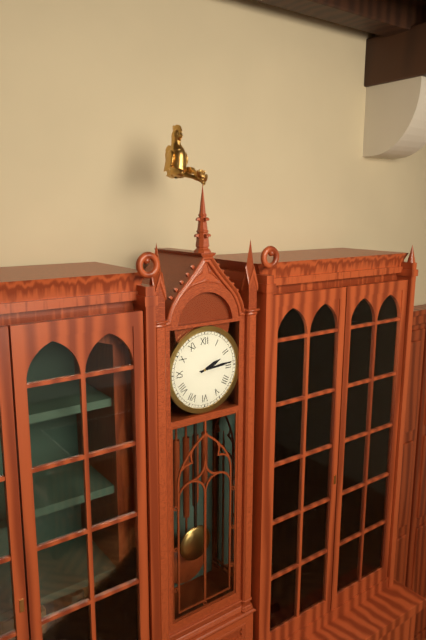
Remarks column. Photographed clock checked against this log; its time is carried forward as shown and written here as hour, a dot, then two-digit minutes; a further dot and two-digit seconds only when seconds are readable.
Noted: 2.14
